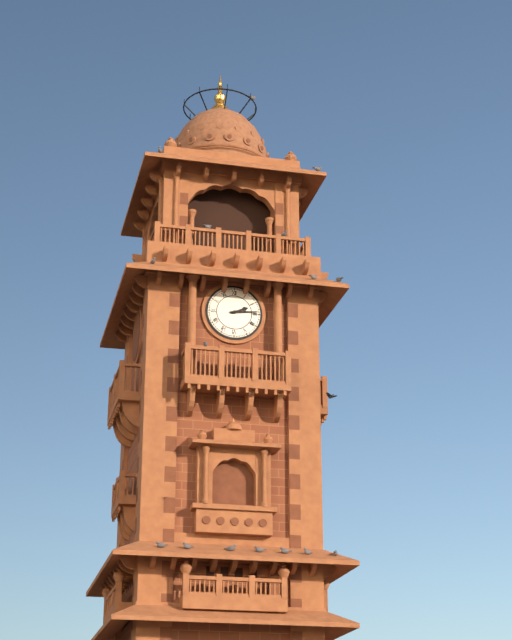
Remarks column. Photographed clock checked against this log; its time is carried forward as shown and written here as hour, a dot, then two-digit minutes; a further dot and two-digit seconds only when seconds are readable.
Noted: 2.14
